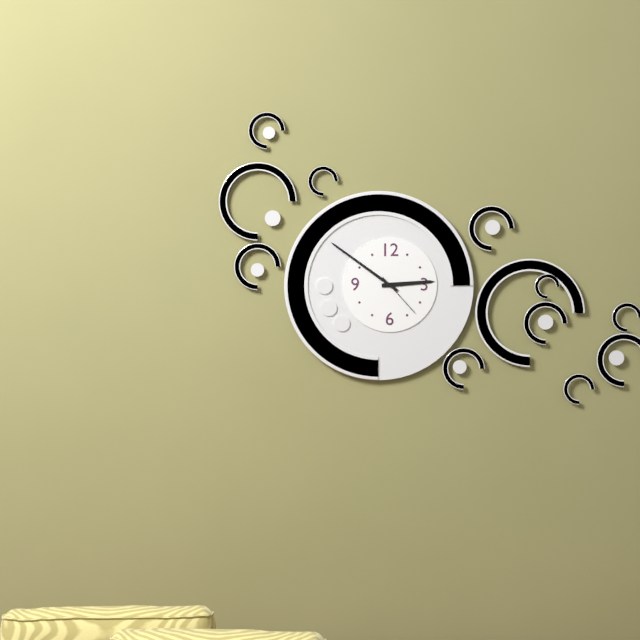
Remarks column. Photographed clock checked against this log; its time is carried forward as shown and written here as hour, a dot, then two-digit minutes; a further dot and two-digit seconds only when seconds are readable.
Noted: 2.51
